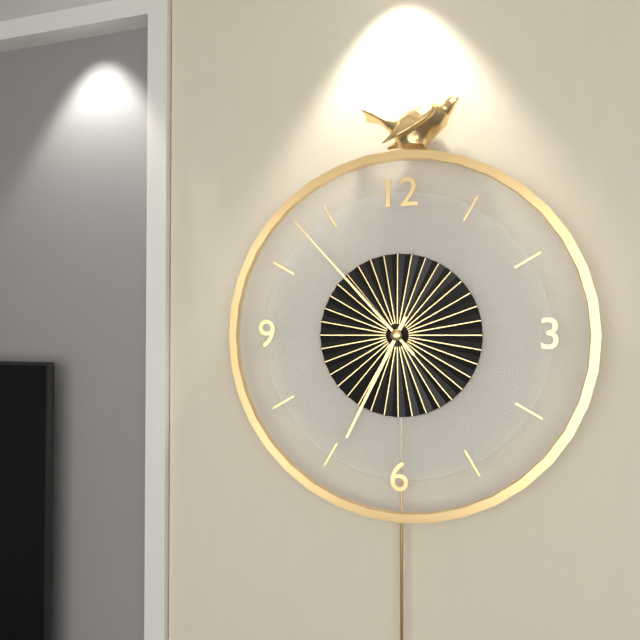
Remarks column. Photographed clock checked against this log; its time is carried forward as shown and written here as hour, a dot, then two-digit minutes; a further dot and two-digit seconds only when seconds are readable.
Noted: 6.53
